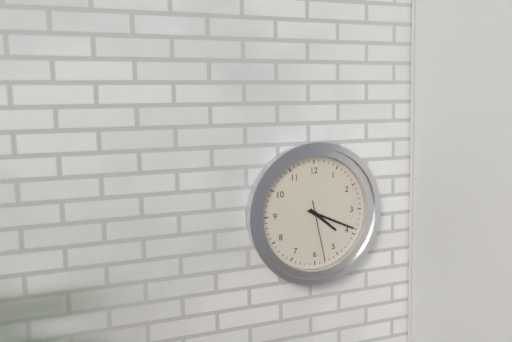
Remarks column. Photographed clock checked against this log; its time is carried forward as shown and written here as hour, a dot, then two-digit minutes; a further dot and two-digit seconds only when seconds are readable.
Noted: 4.19.28
